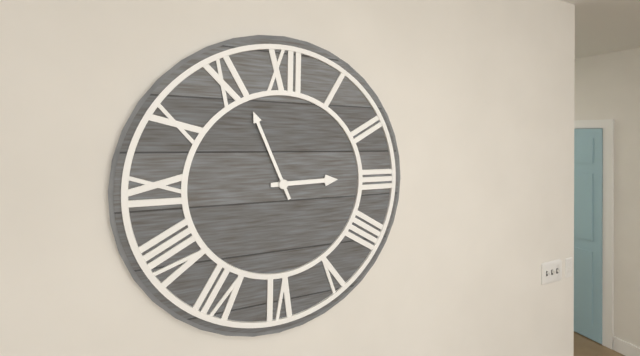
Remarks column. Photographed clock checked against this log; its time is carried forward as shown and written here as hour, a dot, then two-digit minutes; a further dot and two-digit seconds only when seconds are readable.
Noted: 2.56
